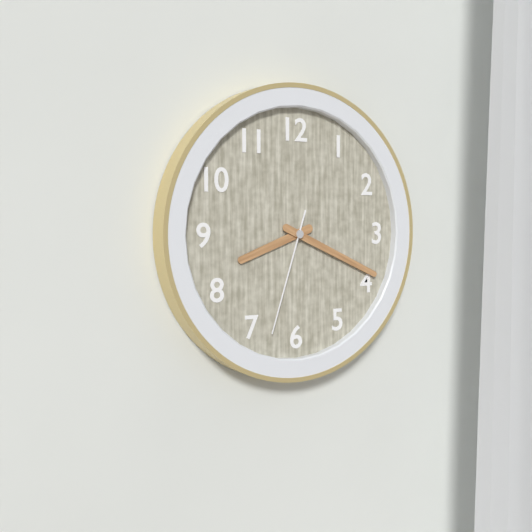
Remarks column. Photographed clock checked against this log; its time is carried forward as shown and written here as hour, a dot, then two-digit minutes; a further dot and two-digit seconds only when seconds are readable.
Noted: 8.19.33
